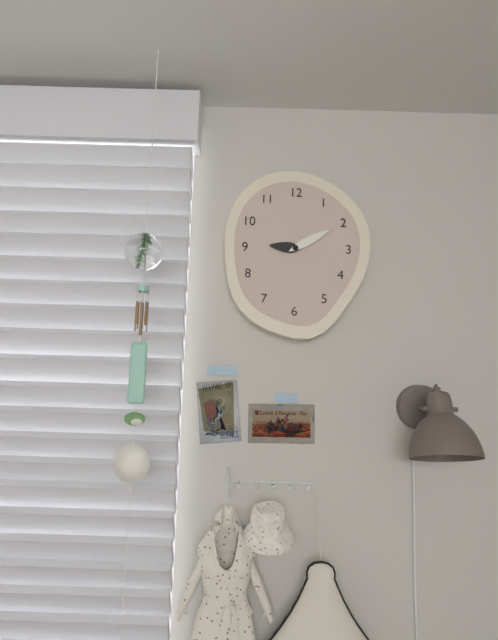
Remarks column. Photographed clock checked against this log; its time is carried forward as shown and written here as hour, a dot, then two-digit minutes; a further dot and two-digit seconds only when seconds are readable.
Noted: 9.10
